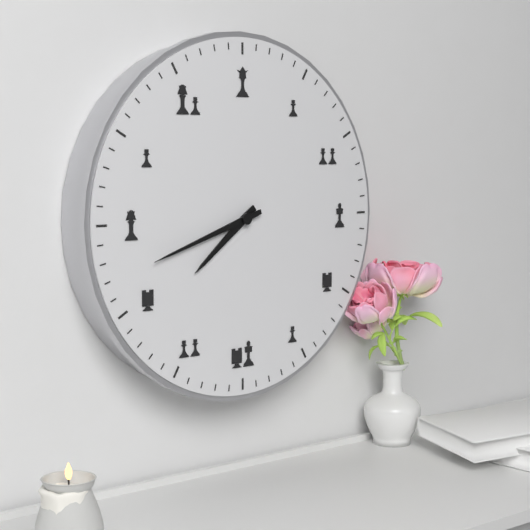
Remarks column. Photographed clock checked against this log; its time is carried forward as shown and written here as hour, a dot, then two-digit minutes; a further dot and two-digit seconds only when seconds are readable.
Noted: 7.42
